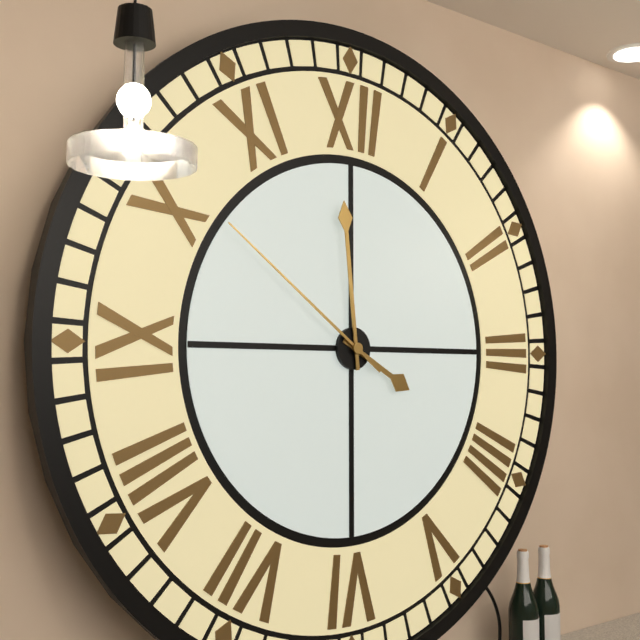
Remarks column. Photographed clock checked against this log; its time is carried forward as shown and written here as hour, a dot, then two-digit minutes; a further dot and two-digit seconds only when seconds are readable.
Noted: 3.59.51
